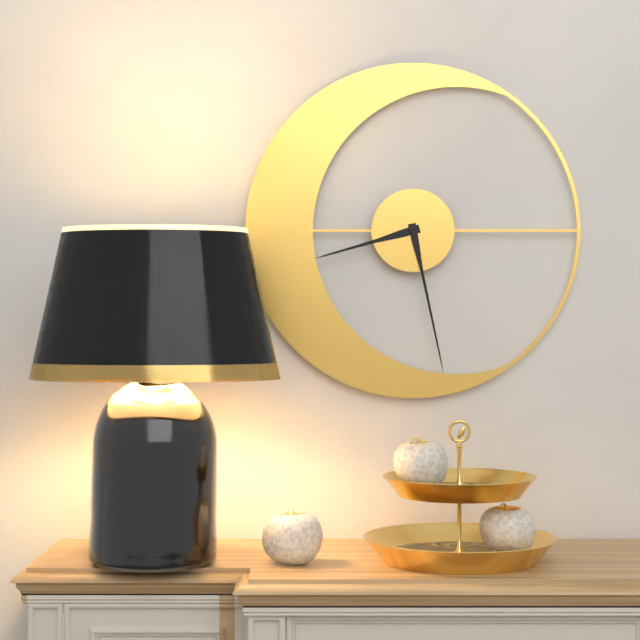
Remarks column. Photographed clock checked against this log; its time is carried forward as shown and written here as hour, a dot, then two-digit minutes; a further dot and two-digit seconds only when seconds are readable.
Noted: 8.28
